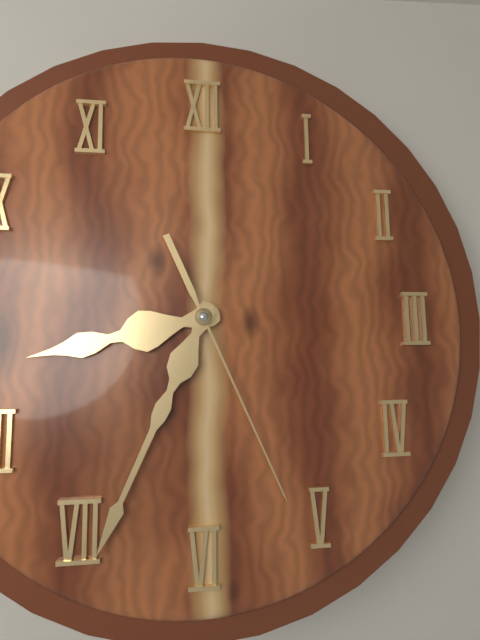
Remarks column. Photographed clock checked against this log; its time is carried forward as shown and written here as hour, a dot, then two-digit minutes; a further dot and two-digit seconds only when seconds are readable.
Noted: 8.34.26
